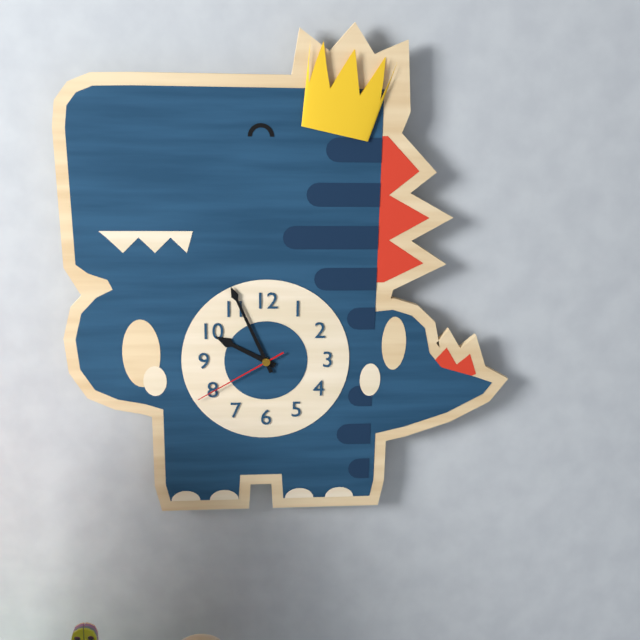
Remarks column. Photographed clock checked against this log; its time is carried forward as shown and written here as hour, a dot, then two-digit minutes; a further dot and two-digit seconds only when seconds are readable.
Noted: 9.56.40
